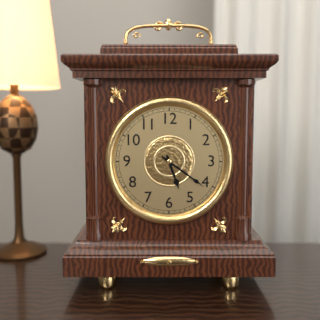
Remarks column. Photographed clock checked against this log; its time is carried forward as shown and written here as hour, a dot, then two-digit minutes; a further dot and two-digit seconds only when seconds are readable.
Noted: 5.21
